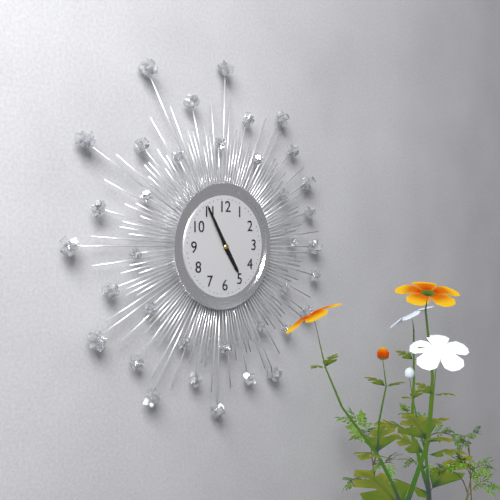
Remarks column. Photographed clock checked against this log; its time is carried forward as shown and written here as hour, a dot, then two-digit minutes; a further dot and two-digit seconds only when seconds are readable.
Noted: 4.55
